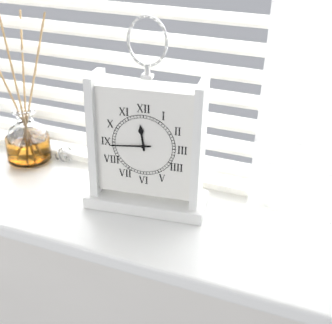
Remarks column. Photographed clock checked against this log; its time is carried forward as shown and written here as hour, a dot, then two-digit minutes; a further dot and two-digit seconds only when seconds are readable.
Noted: 11.44
